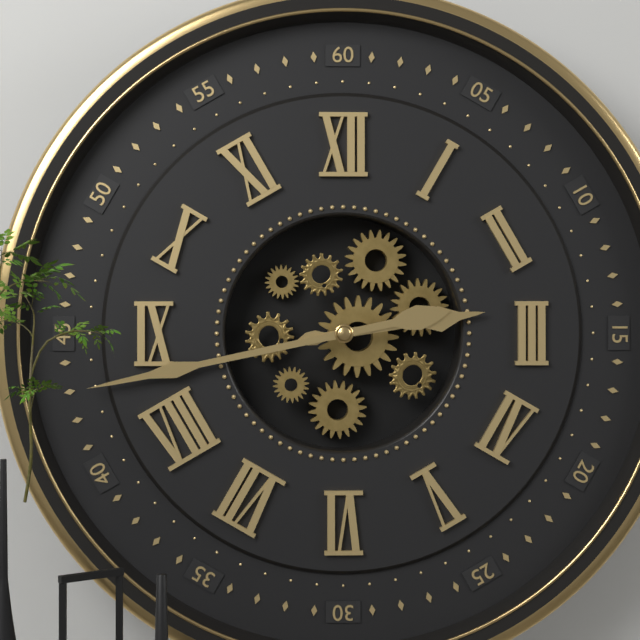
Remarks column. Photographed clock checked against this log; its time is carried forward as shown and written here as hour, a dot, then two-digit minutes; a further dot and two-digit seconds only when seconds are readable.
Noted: 2.43
